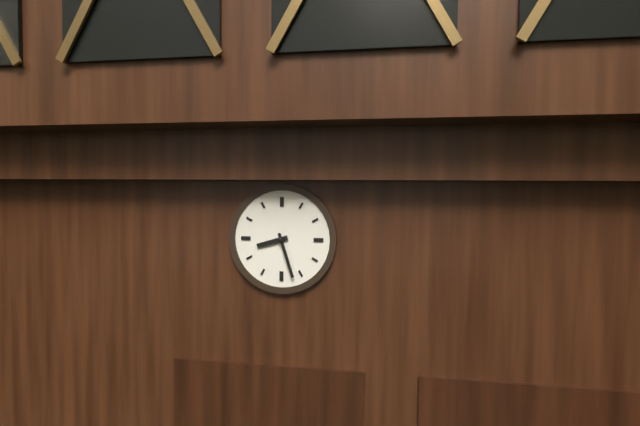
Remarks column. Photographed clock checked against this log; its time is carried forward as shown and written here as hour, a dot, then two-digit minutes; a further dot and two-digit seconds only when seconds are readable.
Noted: 8.27
